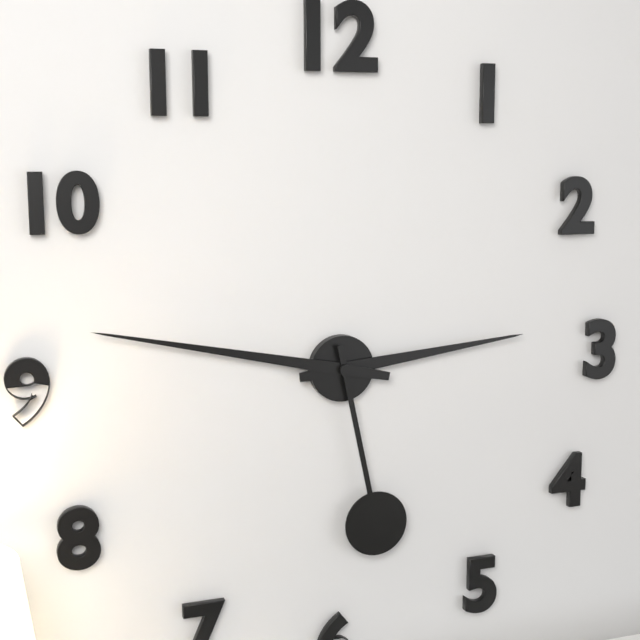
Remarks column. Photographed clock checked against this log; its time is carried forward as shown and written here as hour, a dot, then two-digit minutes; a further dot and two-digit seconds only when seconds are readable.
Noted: 2.47.28
